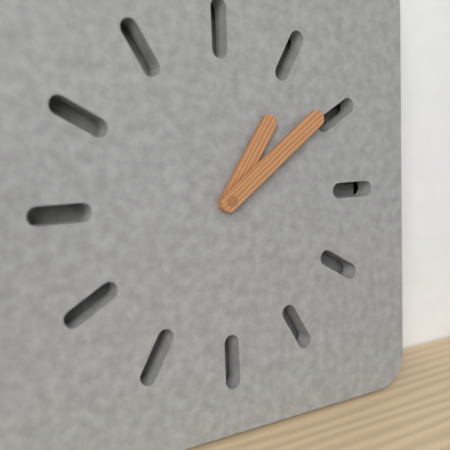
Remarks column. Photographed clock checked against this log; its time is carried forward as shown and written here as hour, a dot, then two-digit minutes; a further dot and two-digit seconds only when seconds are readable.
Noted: 1.09
